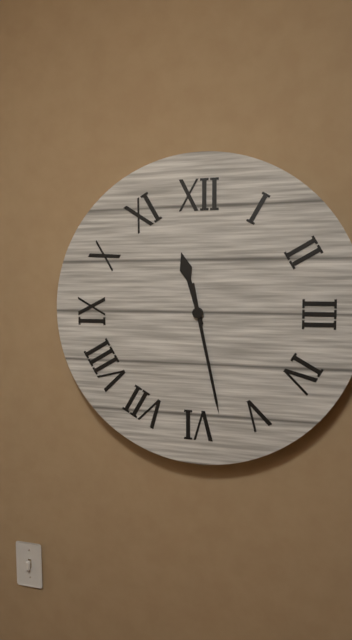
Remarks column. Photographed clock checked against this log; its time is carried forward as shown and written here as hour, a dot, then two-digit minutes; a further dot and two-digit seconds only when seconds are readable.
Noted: 11.28
